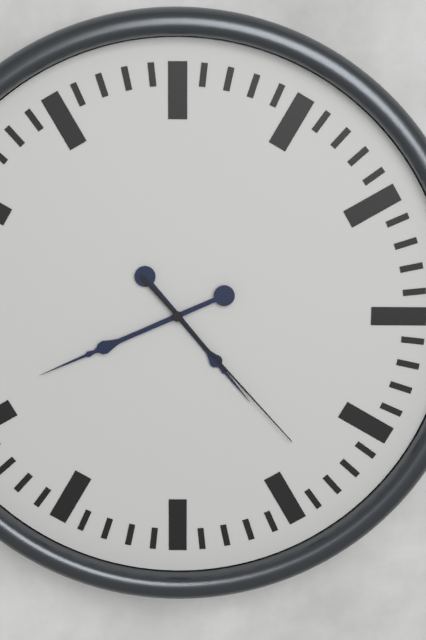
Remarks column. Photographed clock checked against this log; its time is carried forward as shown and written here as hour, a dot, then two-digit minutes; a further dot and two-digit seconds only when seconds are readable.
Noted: 4.41.23
